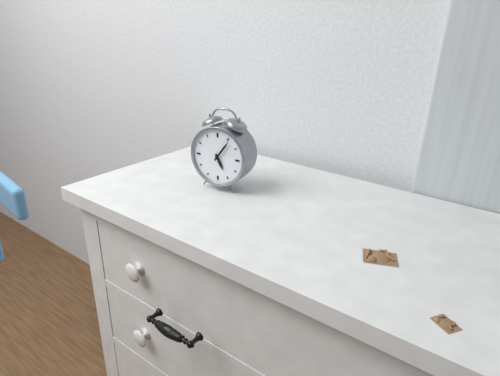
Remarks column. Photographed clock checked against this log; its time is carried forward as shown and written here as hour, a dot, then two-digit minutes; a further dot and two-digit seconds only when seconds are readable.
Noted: 5.06
